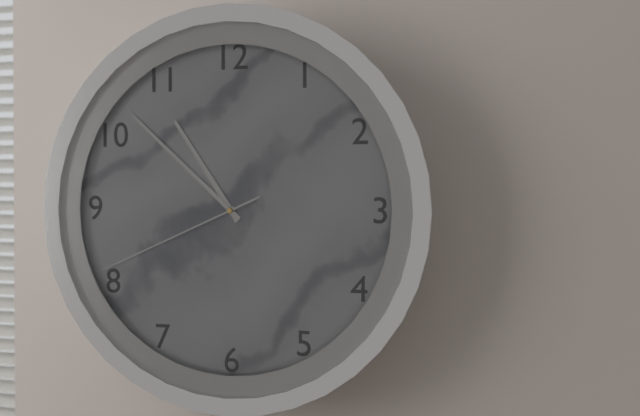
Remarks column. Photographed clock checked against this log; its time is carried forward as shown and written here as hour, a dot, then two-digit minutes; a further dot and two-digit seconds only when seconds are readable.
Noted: 10.52.41
